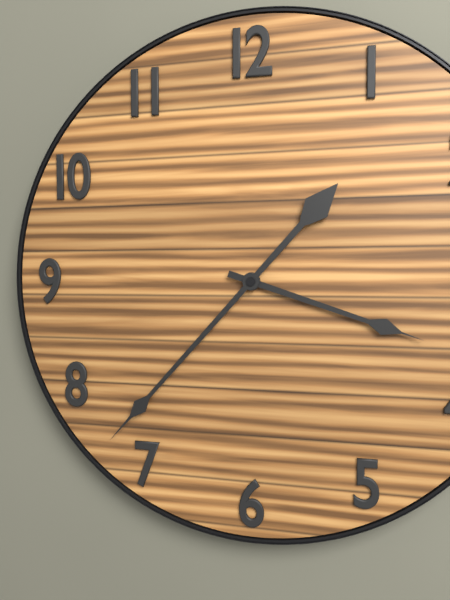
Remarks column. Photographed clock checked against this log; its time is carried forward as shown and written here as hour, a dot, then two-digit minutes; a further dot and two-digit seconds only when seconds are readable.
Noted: 3.37
